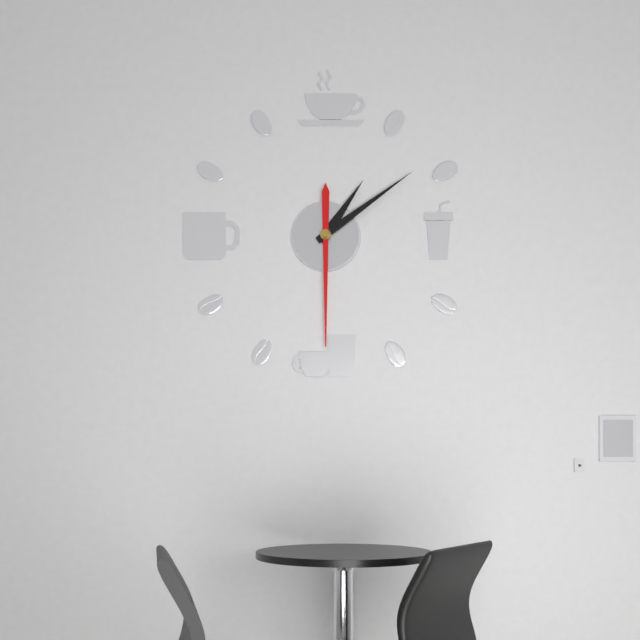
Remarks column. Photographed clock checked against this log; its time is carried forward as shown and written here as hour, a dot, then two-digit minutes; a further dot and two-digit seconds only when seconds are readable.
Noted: 1.09.30
